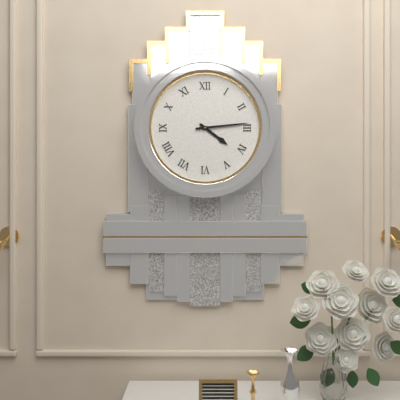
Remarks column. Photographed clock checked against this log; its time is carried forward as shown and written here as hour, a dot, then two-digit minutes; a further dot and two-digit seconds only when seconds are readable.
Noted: 4.14
